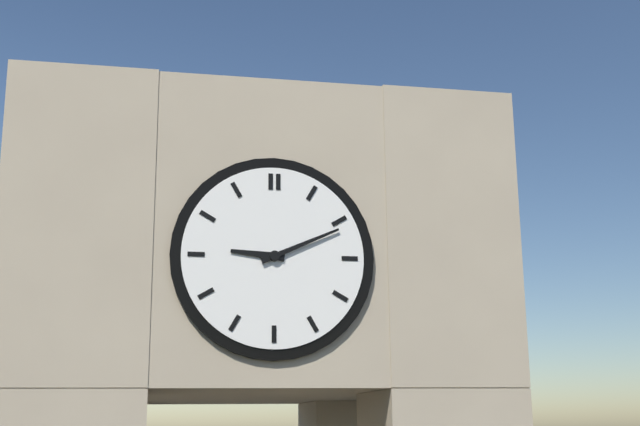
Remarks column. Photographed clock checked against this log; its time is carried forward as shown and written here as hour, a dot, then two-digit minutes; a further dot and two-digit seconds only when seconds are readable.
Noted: 9.11
